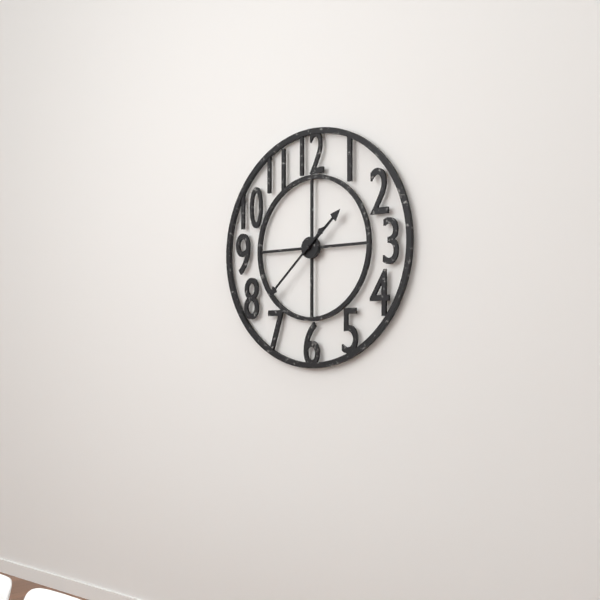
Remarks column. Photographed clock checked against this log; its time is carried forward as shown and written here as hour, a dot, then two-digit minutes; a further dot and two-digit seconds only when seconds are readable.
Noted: 1.38
